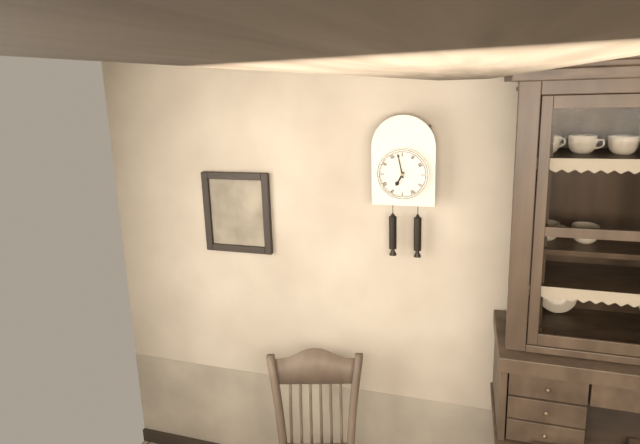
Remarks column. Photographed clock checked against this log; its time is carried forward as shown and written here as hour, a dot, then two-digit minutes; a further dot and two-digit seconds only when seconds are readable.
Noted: 6.58
